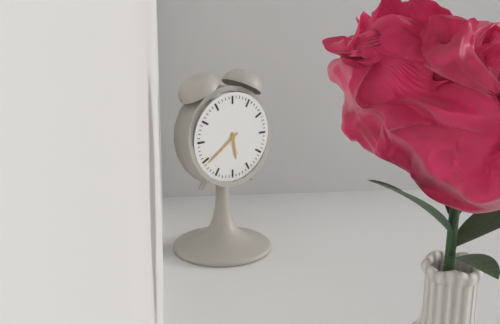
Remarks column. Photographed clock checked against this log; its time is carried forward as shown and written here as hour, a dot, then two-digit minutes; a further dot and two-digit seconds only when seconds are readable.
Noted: 5.39
